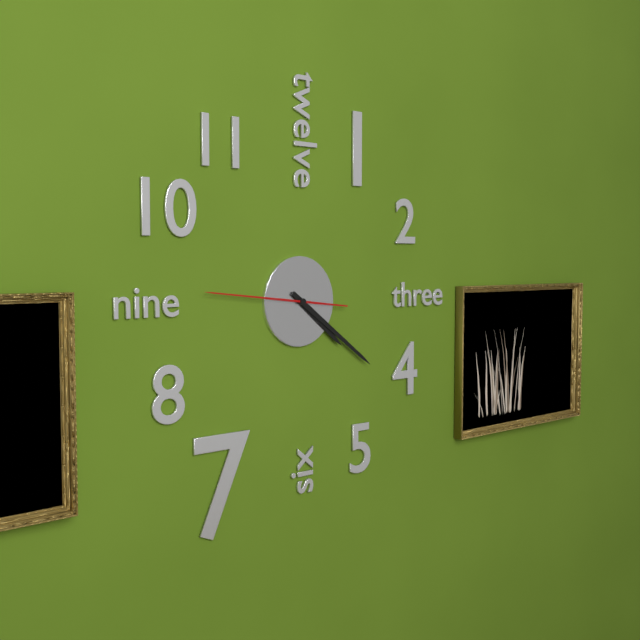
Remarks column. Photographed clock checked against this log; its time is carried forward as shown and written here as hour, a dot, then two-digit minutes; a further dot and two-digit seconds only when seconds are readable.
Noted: 4.21.46
